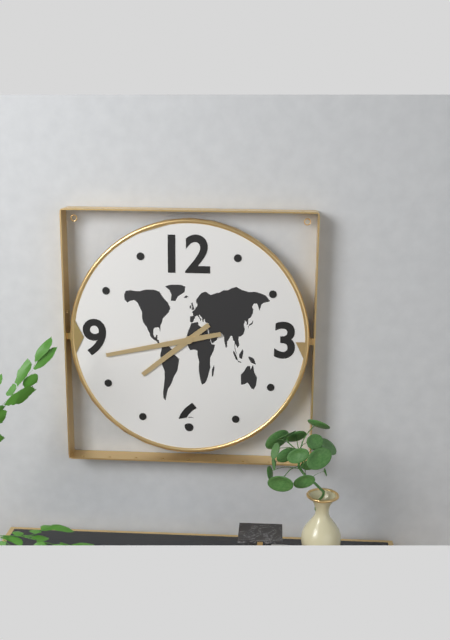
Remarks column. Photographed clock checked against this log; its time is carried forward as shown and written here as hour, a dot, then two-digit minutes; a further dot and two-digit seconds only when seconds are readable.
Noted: 7.43
